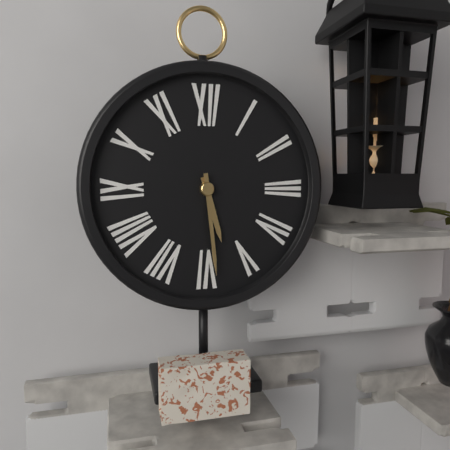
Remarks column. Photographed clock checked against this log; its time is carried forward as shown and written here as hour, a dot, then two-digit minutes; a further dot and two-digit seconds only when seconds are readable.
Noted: 5.29
